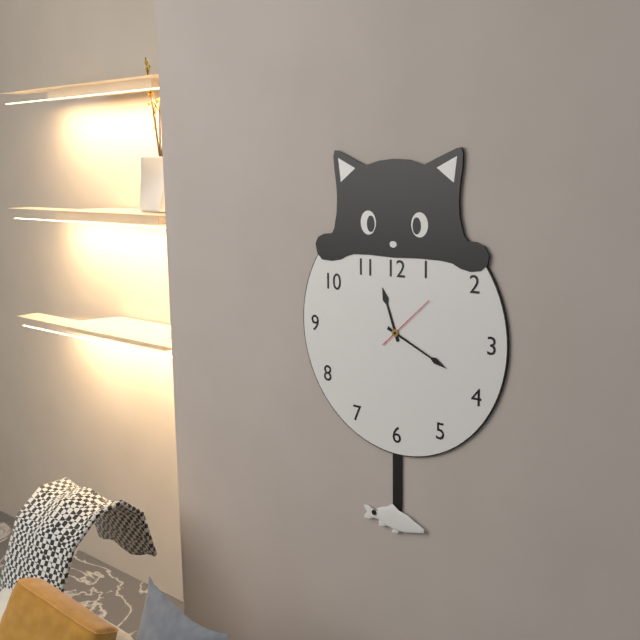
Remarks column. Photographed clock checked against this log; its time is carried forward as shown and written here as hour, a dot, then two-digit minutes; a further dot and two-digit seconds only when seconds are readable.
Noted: 11.19.08
